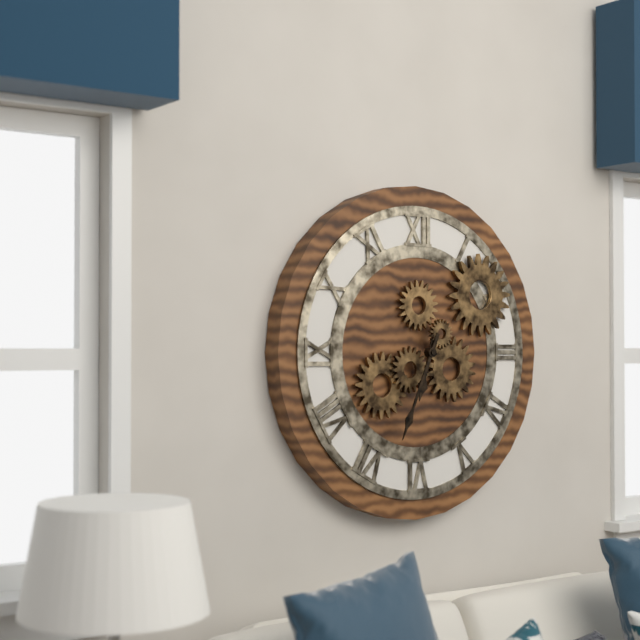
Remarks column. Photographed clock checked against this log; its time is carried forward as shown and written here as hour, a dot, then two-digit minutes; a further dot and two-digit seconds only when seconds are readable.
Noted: 6.34
